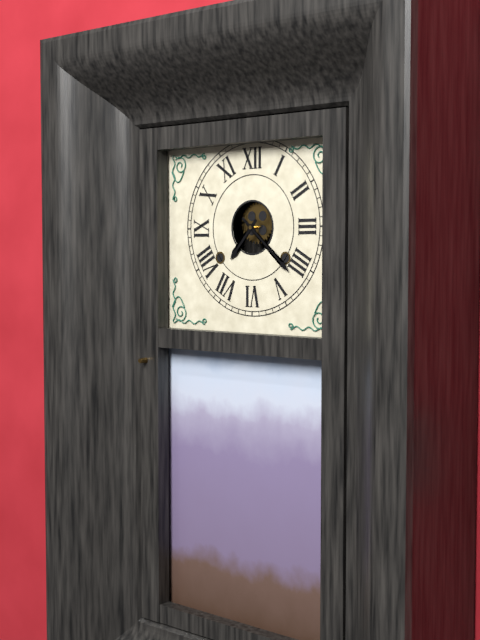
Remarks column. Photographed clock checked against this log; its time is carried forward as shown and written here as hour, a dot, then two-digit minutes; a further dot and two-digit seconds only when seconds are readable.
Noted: 7.22
